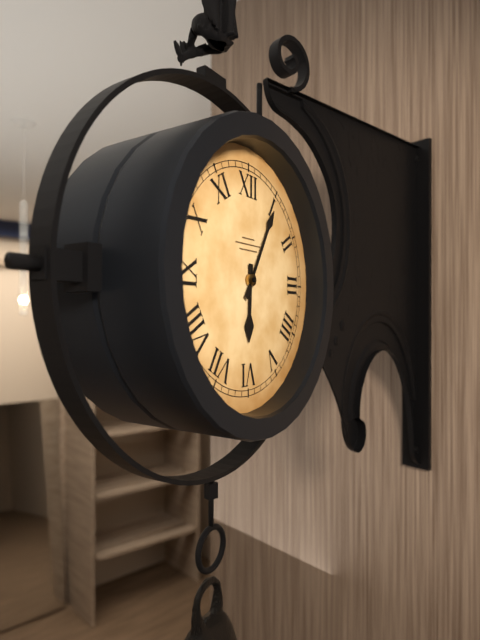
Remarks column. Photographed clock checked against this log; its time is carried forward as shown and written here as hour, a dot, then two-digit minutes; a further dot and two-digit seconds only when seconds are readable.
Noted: 6.05
